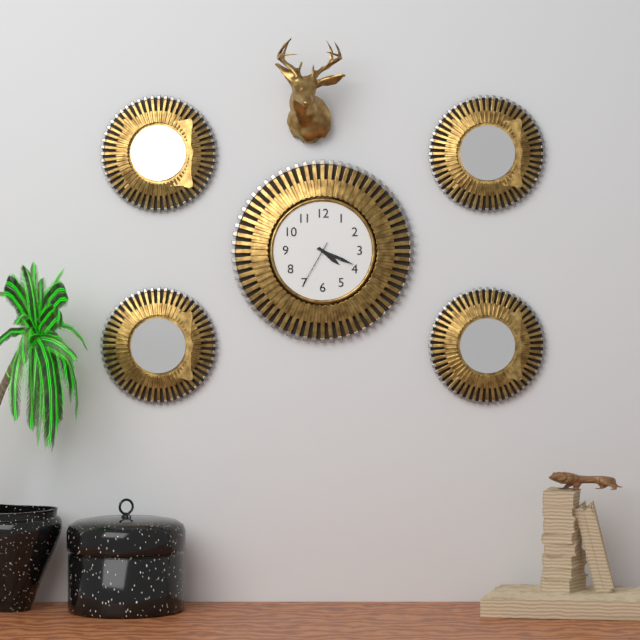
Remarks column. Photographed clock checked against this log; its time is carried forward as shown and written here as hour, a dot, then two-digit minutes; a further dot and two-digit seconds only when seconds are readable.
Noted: 4.19
